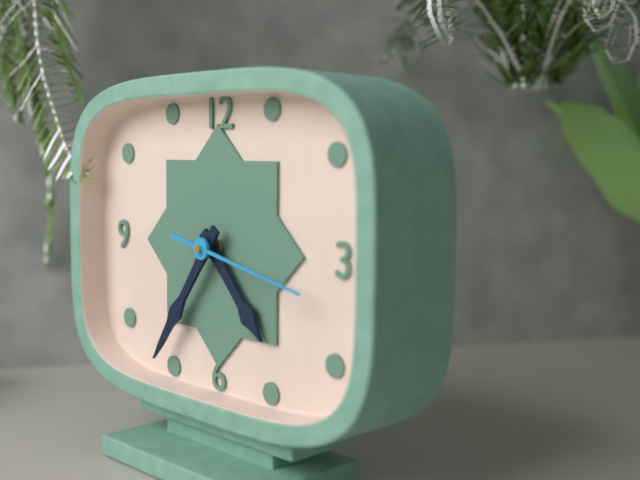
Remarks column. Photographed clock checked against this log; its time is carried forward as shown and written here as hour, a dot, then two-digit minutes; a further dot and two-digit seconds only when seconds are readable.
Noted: 4.36.17
